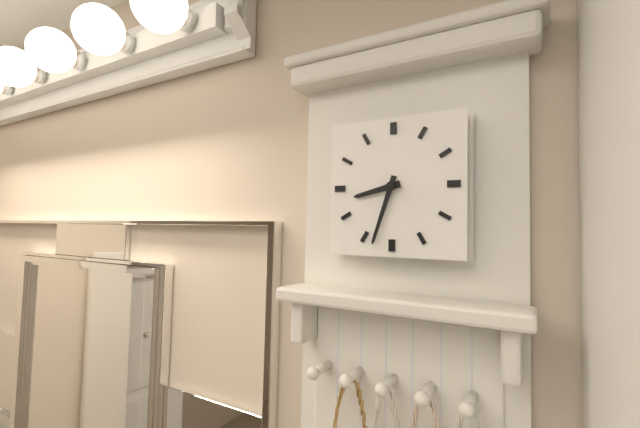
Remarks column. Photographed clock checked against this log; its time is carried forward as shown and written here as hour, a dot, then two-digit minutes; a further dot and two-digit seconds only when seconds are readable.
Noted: 8.33
